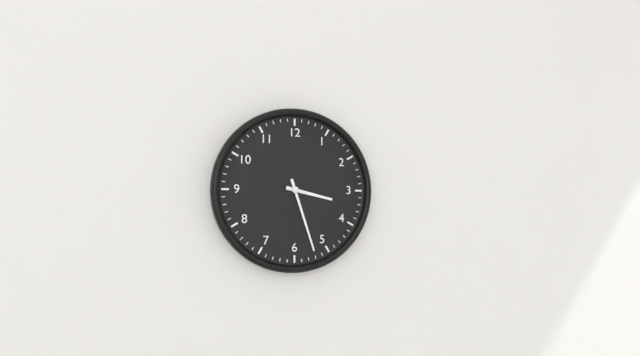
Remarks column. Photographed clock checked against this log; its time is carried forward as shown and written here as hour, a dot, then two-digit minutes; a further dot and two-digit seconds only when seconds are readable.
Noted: 3.27
